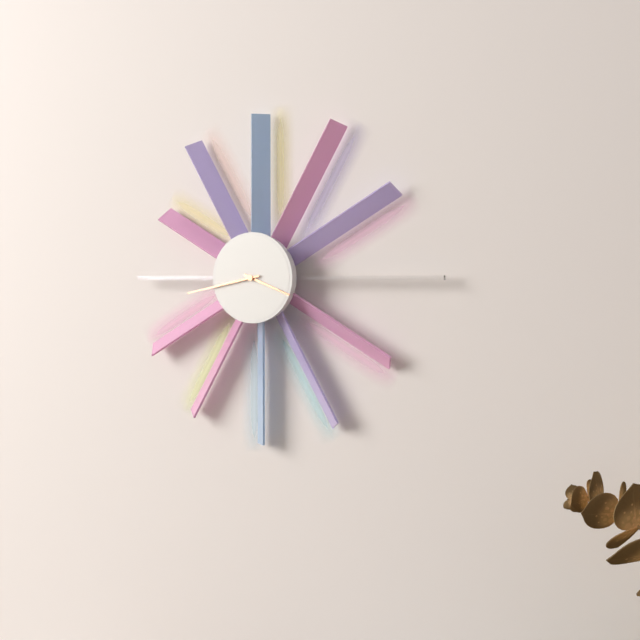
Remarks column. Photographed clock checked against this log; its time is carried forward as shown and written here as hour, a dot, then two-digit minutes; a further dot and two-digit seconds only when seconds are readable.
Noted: 3.43
